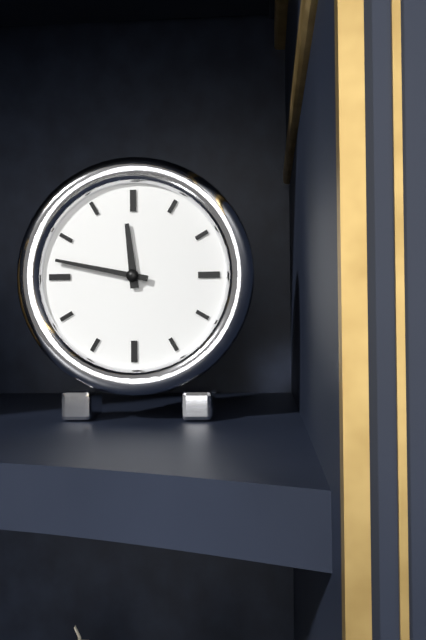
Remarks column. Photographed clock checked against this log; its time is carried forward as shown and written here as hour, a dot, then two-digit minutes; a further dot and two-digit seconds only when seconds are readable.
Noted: 11.47
